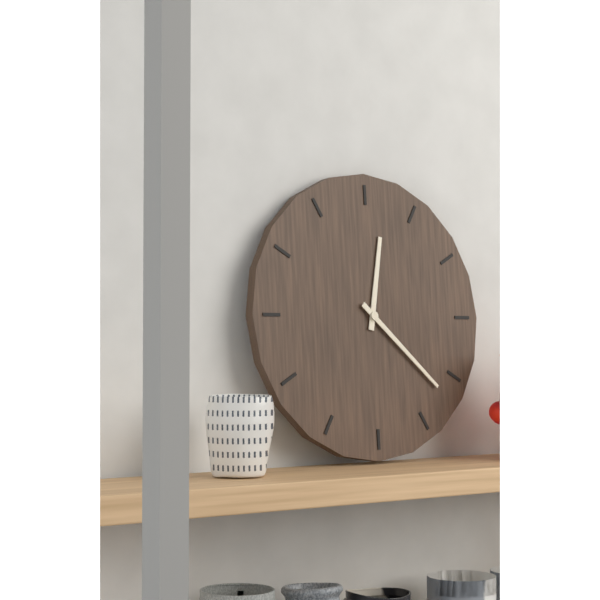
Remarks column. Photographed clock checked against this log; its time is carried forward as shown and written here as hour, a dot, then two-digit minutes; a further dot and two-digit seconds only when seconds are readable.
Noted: 12.22
